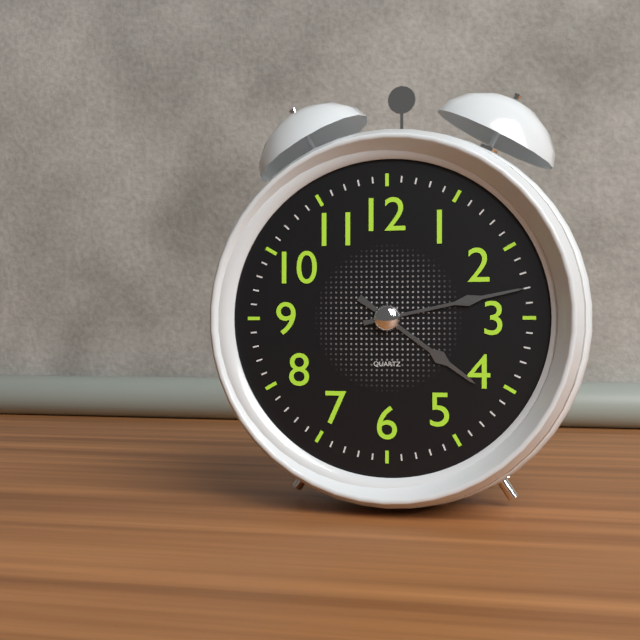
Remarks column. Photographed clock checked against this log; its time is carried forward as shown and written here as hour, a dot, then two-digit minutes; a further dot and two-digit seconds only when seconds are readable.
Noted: 4.13
